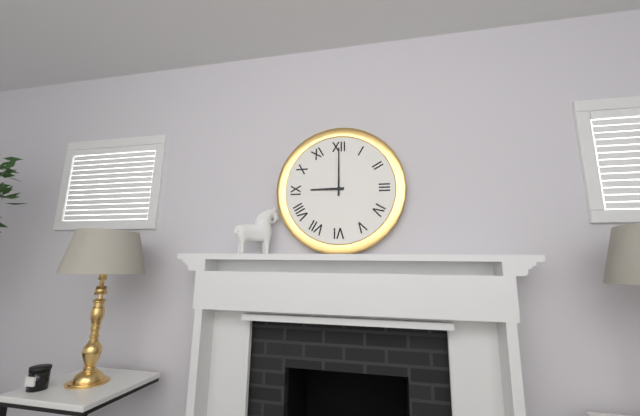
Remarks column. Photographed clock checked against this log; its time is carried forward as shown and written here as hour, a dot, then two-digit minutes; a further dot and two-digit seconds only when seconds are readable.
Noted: 9.00
